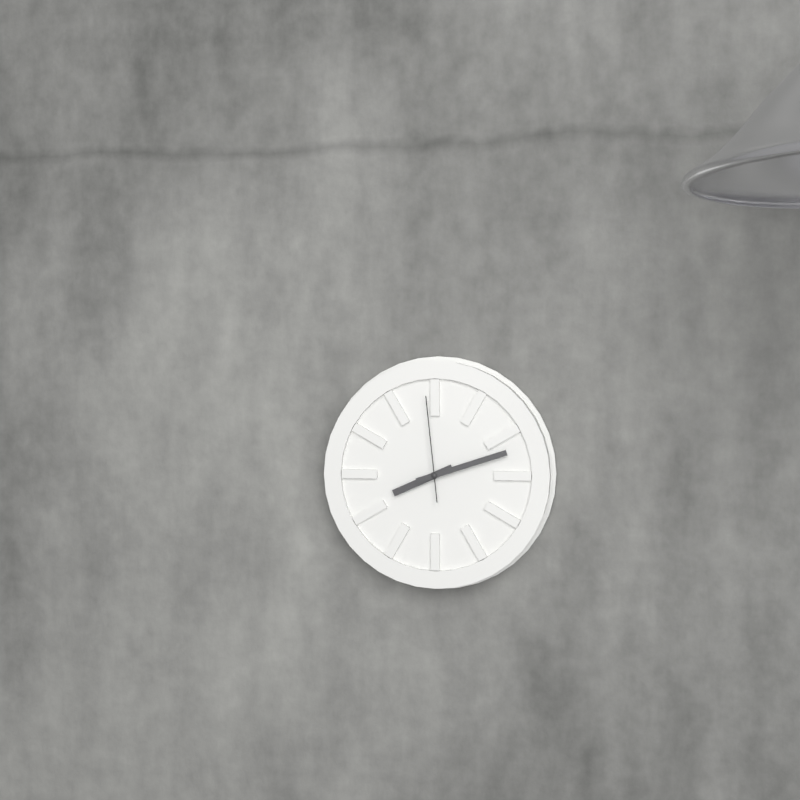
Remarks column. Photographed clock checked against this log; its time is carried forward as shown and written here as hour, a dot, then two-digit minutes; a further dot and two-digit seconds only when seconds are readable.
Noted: 8.12.59
